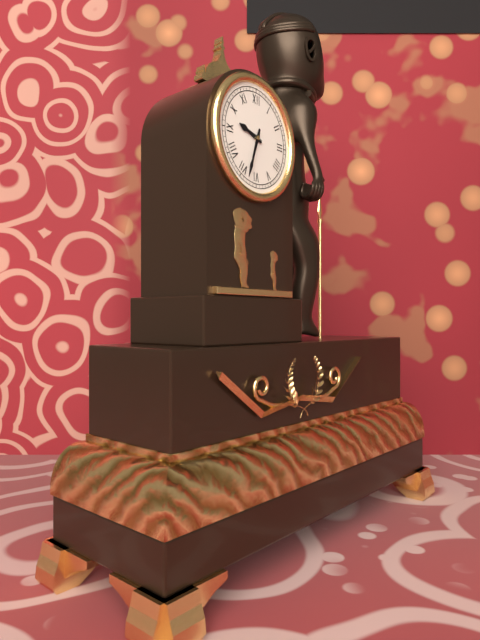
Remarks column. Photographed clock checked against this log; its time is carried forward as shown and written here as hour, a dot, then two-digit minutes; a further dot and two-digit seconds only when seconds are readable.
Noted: 9.33
